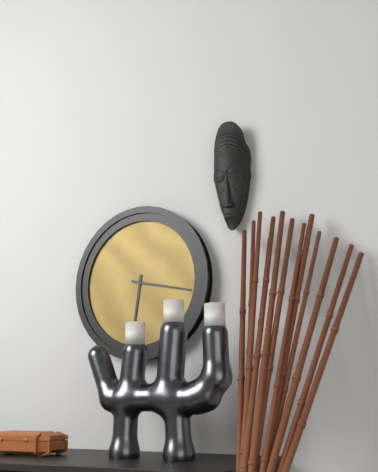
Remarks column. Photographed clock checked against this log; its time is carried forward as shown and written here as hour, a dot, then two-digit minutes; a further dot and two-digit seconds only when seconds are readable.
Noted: 6.17
